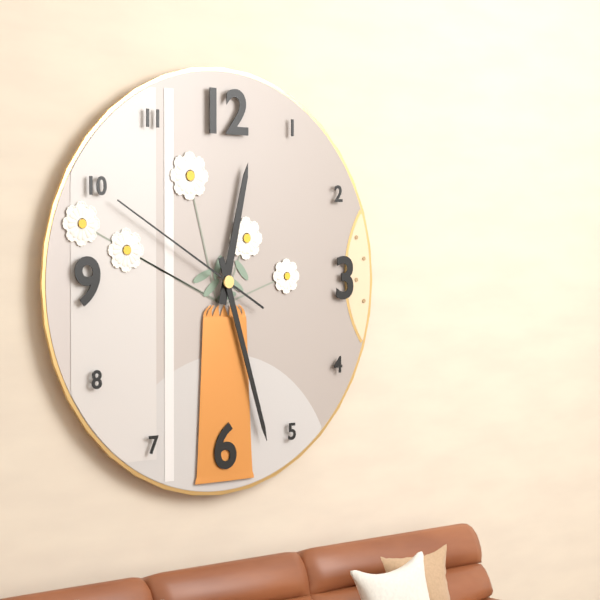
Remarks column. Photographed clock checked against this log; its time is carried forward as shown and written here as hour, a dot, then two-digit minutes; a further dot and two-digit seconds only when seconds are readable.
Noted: 12.27.50
